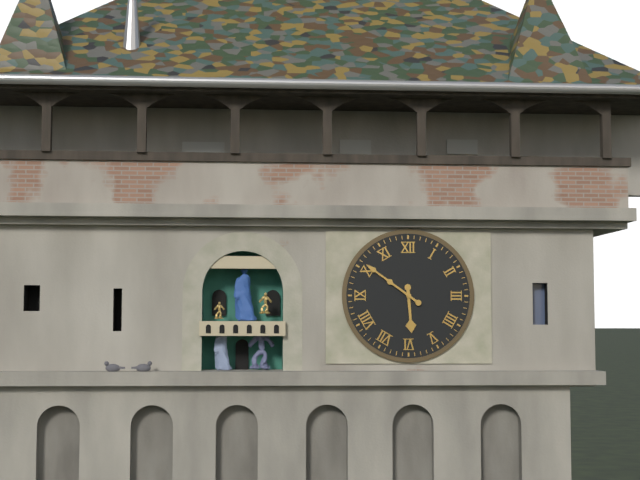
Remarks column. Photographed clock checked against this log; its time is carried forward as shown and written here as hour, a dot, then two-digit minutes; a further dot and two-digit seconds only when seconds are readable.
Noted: 5.51
